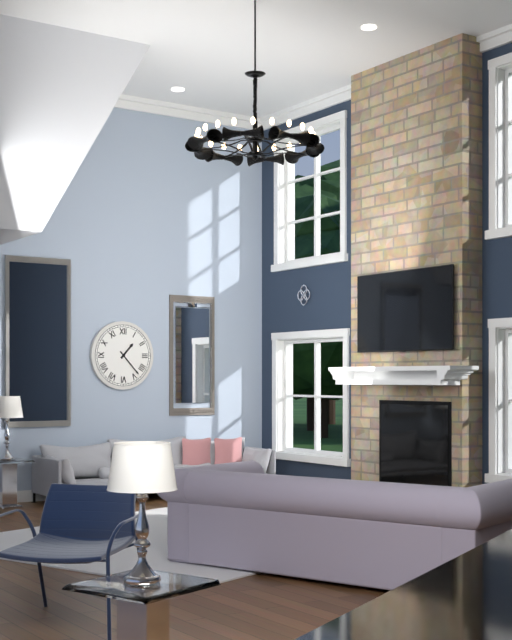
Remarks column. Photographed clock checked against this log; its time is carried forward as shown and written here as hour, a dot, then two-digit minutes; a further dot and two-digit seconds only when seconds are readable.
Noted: 1.23
